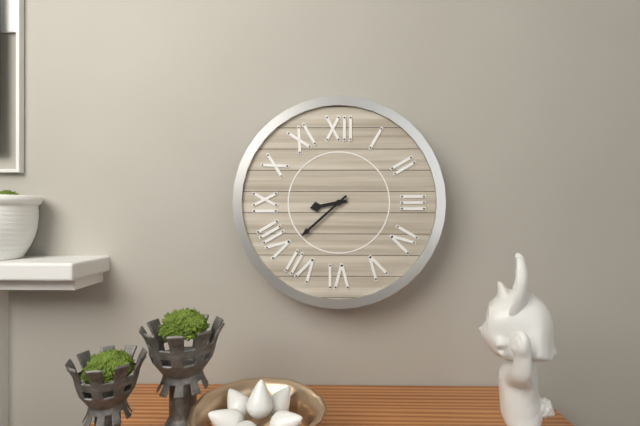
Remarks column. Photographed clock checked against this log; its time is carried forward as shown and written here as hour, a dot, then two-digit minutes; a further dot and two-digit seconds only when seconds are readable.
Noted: 8.38
